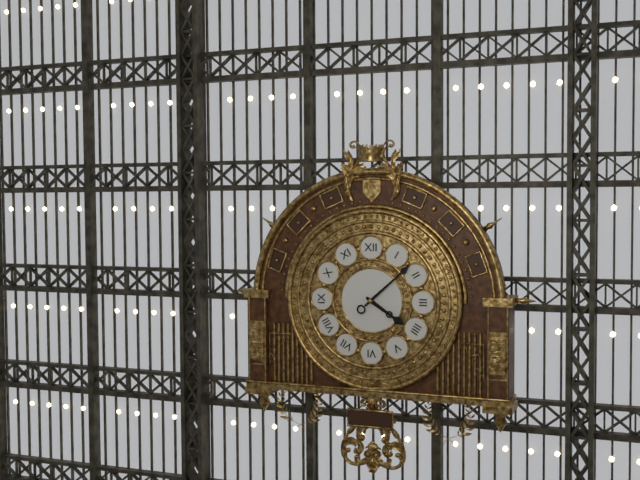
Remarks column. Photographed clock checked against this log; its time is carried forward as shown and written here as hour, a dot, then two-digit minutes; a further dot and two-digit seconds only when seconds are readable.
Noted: 4.08
